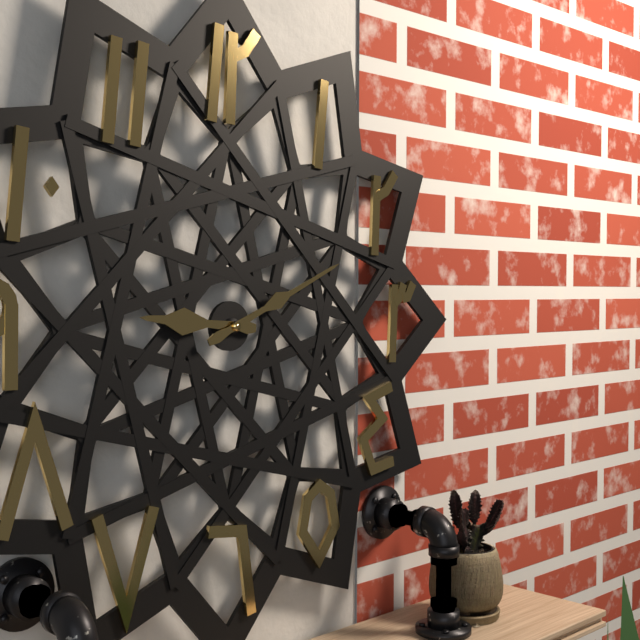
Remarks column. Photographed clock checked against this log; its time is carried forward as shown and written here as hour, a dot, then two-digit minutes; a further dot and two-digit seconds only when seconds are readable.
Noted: 9.11
